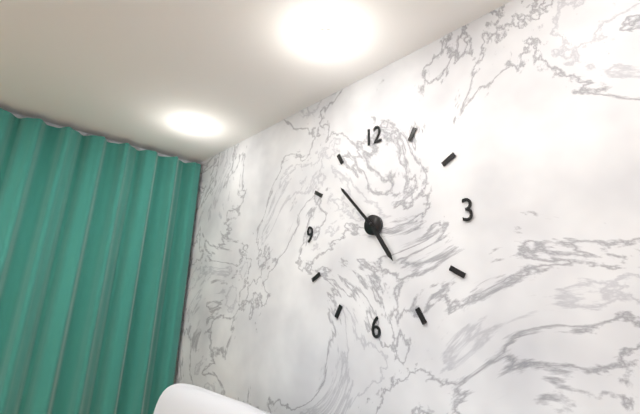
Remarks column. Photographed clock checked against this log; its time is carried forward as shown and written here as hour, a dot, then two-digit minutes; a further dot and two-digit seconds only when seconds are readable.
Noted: 4.53
